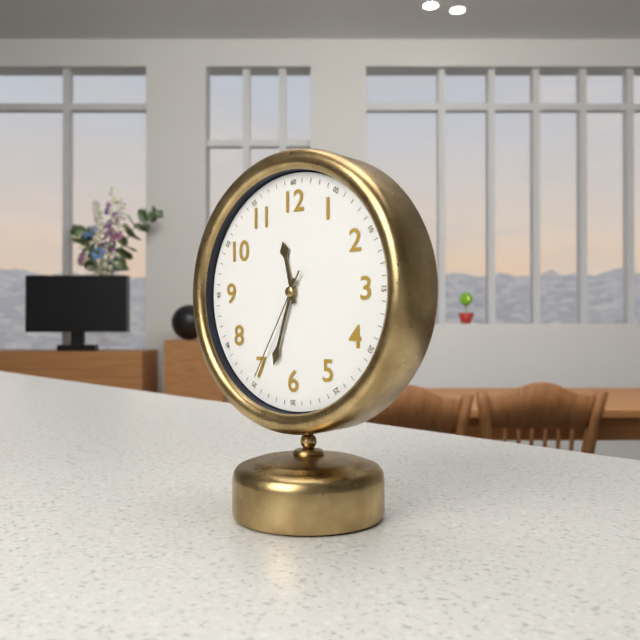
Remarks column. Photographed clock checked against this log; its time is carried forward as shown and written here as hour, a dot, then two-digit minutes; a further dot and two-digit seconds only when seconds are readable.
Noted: 11.33.35
